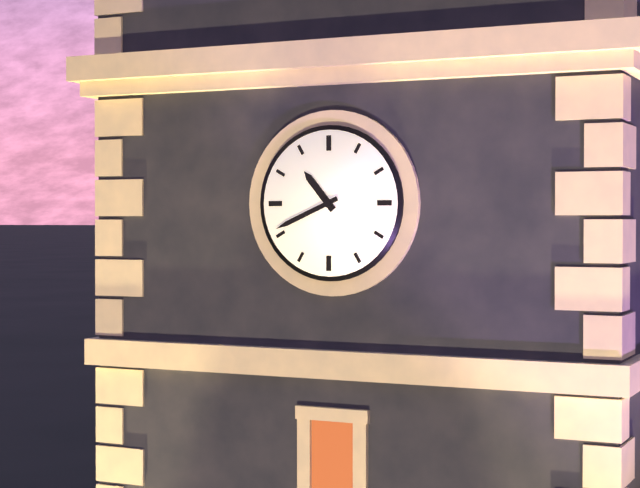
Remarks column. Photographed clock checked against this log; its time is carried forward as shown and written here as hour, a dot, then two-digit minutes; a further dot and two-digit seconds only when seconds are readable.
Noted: 10.41
